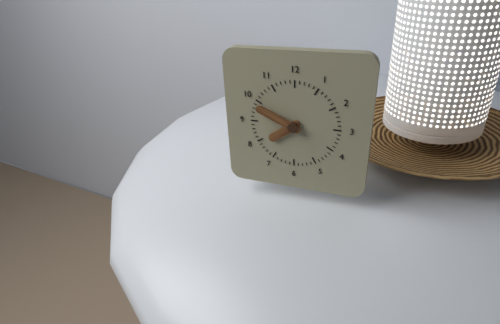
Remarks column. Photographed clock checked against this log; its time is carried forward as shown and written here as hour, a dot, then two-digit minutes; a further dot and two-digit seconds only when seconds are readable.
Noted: 7.49
